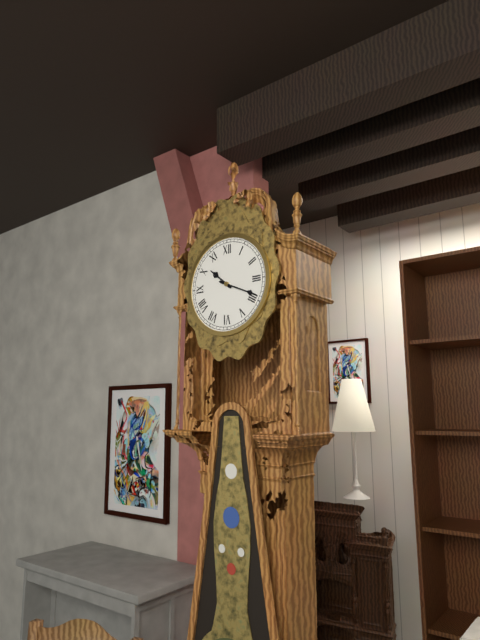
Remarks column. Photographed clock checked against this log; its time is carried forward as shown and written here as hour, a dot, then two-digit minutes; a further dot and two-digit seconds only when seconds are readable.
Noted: 10.19
